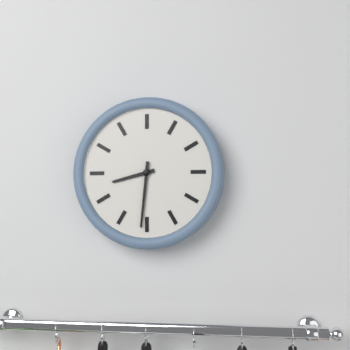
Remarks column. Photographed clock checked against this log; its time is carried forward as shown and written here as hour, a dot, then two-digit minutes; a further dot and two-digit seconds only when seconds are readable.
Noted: 8.31
